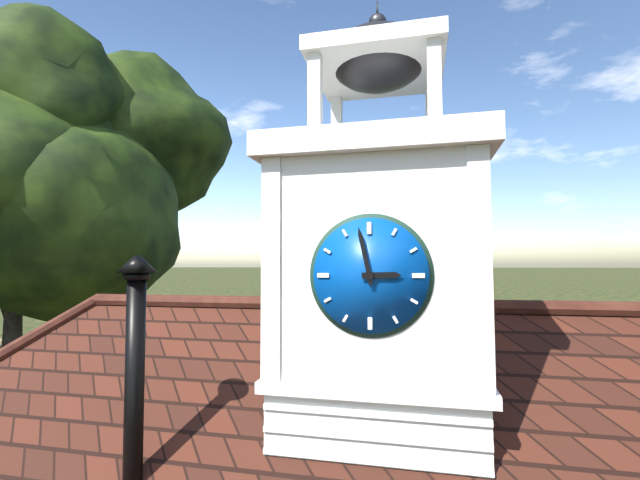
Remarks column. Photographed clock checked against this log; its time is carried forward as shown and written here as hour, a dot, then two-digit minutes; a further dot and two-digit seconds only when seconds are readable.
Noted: 2.58
